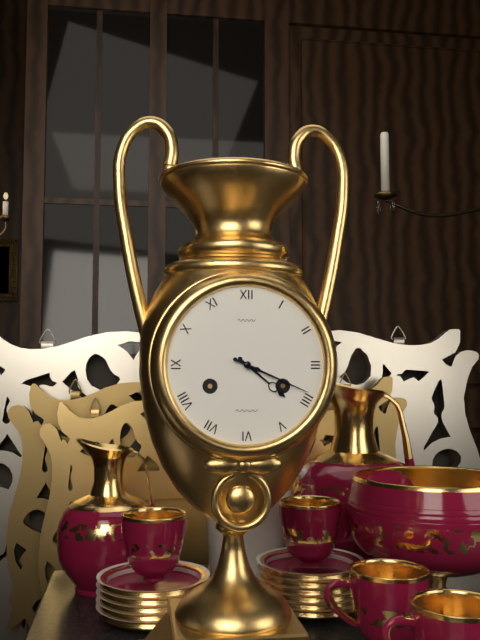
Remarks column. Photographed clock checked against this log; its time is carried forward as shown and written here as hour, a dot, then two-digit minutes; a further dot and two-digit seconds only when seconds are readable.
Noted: 4.19
